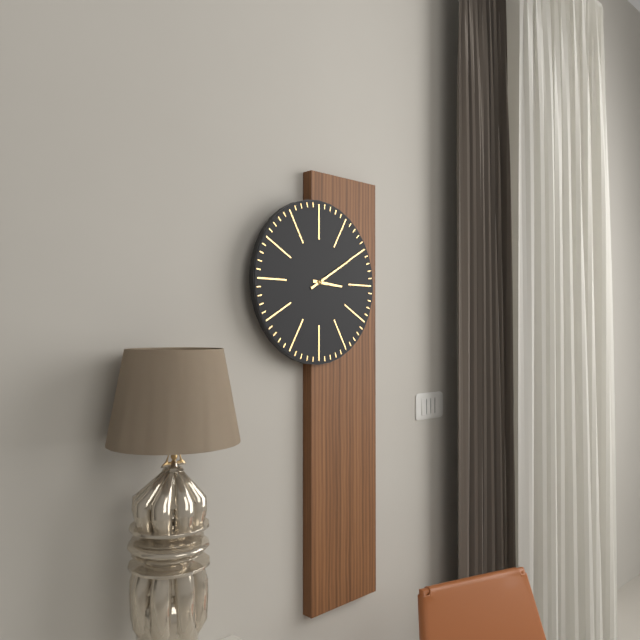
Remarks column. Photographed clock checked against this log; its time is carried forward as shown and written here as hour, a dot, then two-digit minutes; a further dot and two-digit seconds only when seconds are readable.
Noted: 3.10
